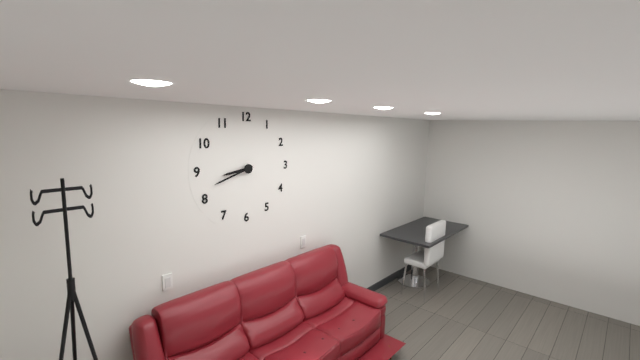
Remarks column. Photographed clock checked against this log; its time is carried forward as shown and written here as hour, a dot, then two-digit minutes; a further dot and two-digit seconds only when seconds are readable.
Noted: 8.42
